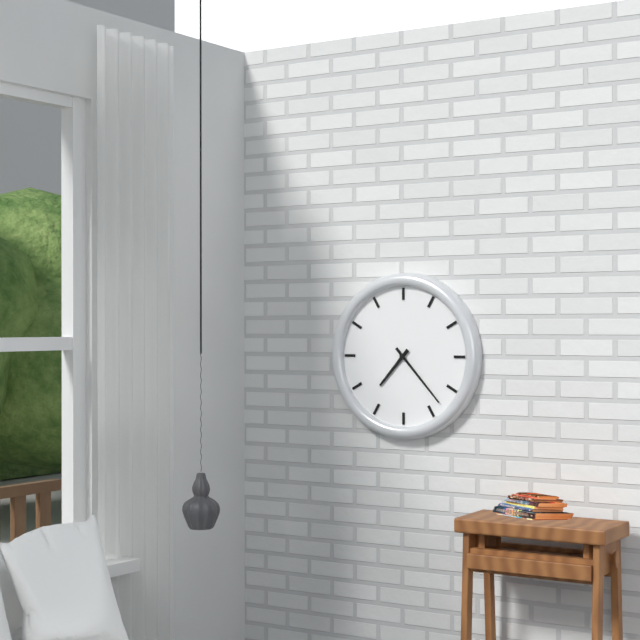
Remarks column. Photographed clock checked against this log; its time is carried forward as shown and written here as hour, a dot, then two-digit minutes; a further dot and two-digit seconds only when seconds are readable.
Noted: 7.23
